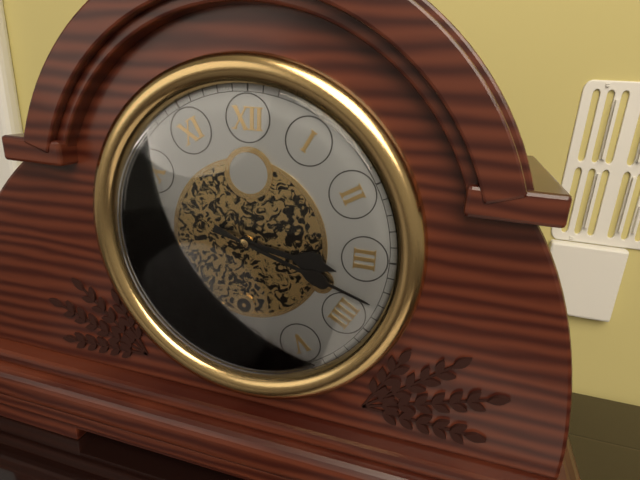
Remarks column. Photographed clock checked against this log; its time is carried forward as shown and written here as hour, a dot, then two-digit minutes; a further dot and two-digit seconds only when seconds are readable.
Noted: 3.18
